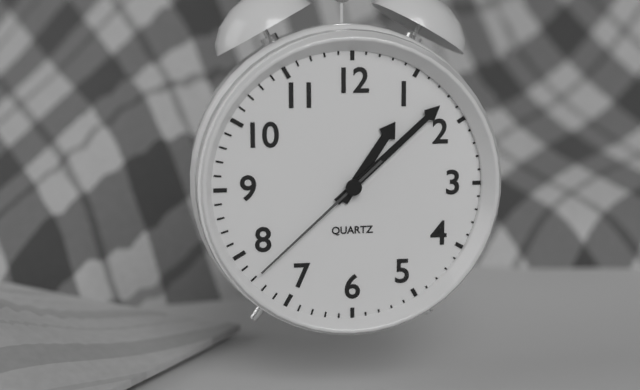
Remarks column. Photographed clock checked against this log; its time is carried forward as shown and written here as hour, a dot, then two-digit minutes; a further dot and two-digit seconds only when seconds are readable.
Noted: 1.08.38
